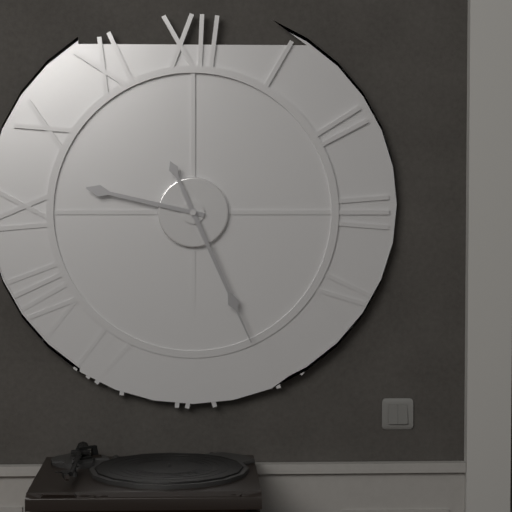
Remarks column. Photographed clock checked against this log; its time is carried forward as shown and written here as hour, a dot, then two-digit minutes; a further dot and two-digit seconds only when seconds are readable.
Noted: 9.26
